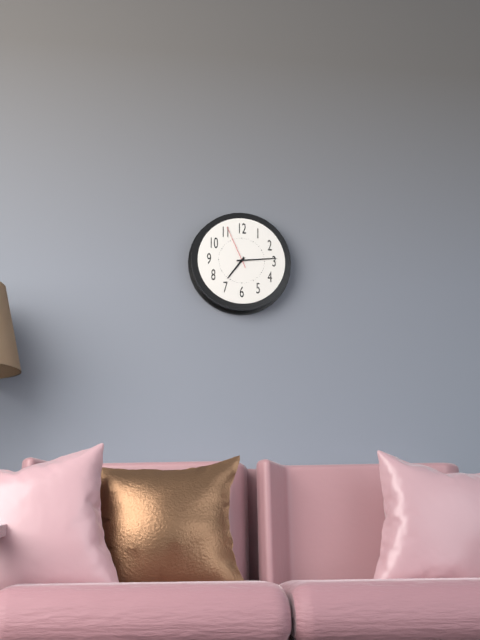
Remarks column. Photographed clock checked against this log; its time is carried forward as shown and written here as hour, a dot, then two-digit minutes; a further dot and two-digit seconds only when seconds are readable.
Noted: 7.14
